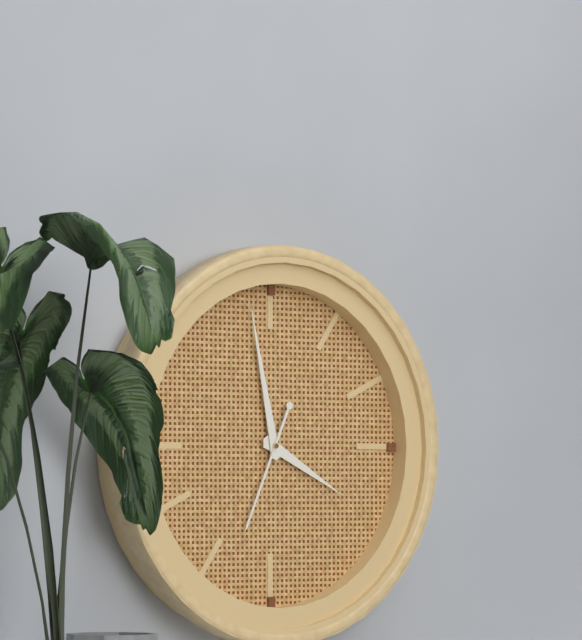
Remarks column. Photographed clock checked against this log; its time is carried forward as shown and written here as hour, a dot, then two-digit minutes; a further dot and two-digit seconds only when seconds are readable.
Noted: 3.58.34
